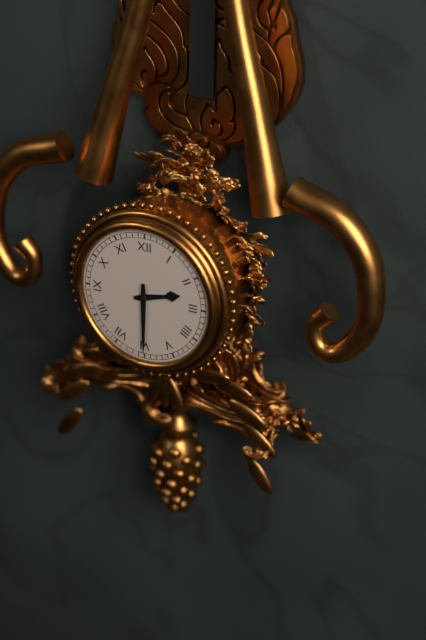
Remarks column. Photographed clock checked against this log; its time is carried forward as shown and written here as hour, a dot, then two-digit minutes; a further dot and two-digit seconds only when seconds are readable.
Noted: 2.30
